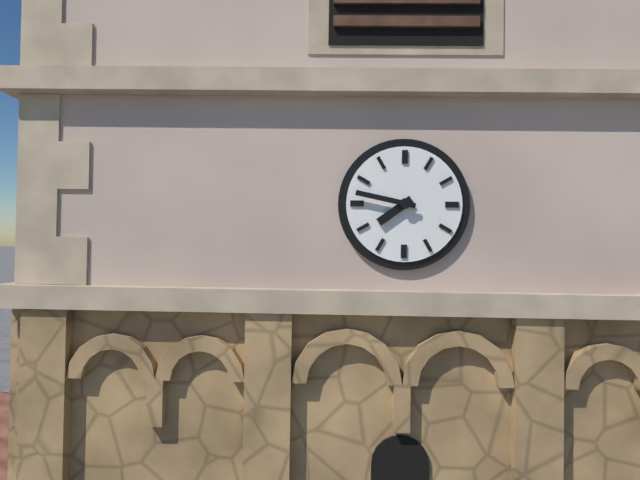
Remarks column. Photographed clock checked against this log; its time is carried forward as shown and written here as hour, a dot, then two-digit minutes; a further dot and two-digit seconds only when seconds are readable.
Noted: 7.47
